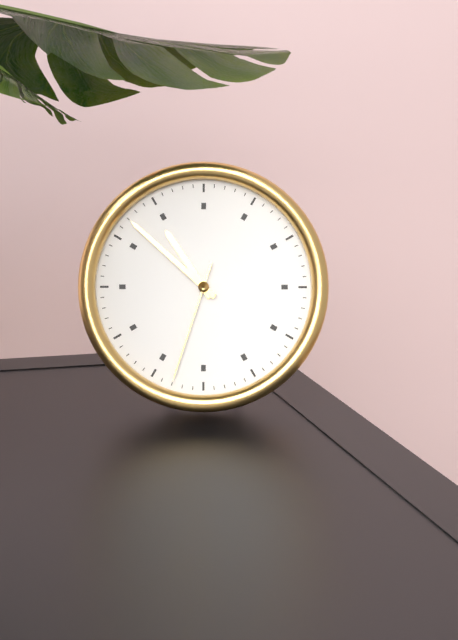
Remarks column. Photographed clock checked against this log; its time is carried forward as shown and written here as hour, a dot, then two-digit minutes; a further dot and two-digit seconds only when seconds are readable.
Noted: 10.52.33
